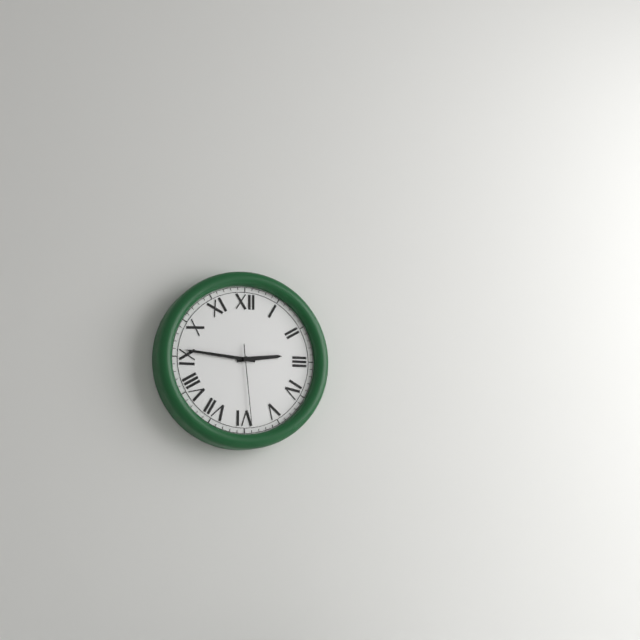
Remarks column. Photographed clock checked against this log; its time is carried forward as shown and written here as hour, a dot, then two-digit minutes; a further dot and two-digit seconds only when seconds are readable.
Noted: 2.46.29
